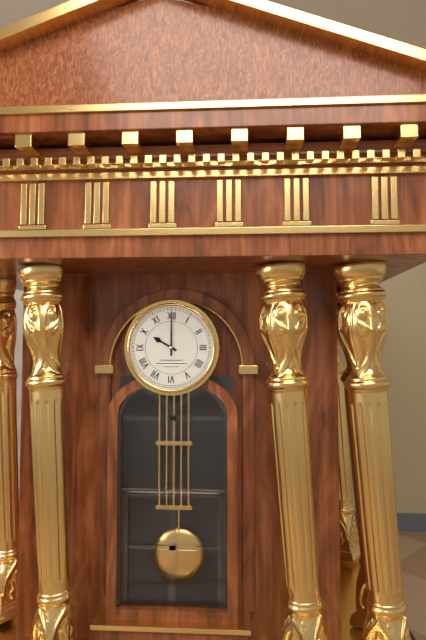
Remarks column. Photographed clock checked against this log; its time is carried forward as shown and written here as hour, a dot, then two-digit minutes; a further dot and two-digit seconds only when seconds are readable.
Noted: 10.00
